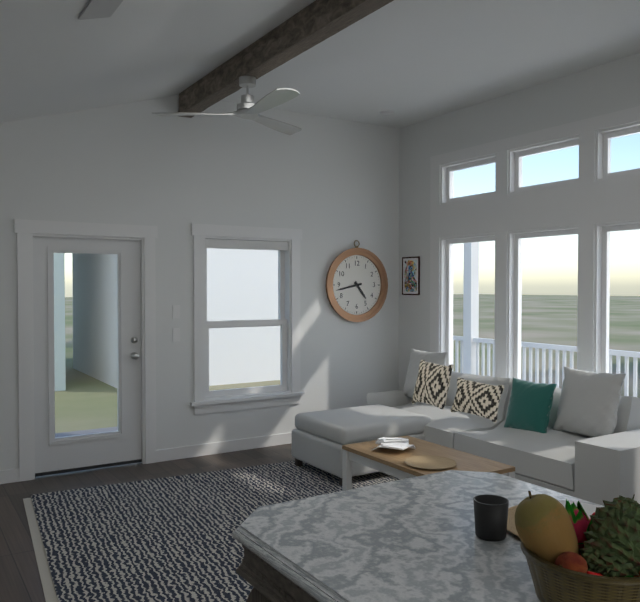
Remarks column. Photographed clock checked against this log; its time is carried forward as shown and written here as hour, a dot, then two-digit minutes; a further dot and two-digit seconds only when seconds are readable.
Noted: 4.43
